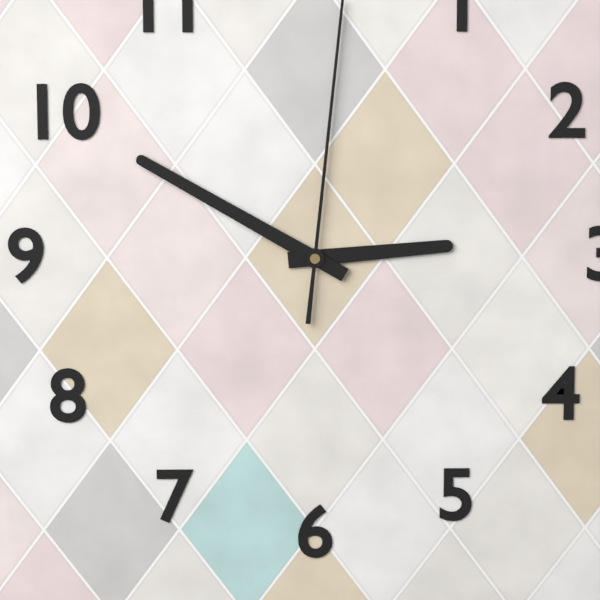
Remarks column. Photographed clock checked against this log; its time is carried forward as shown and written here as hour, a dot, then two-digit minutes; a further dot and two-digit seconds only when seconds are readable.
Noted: 2.50
